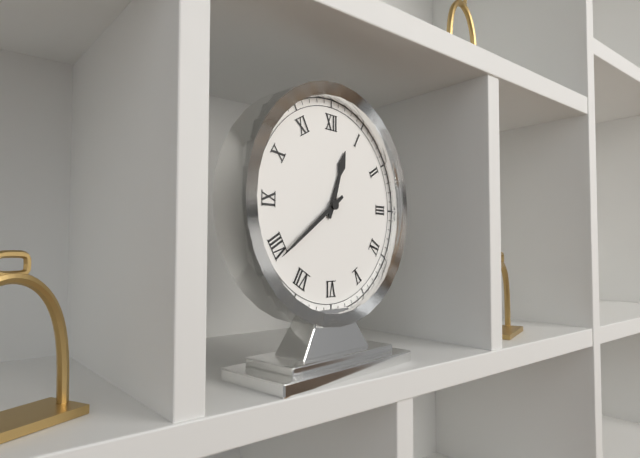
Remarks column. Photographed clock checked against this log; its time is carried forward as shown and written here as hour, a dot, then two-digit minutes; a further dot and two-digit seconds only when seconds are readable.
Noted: 12.39
